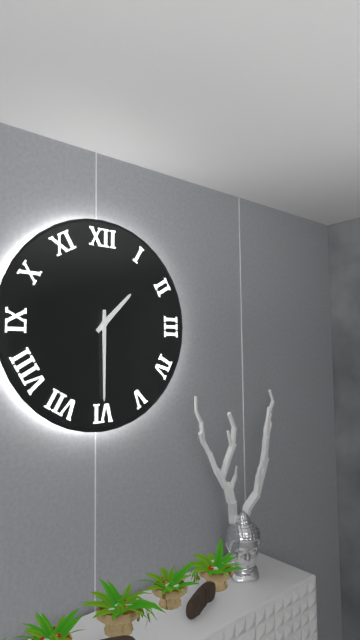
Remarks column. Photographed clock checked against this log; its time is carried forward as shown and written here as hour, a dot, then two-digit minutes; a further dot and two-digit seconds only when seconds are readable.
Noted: 1.30
